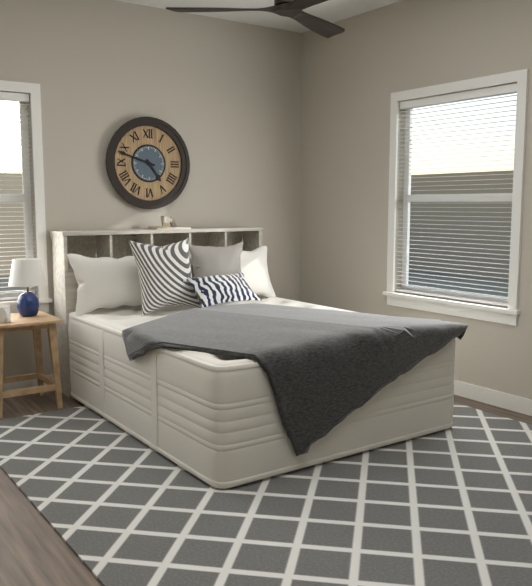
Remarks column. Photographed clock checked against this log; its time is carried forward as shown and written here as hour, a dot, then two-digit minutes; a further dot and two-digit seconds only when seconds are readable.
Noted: 4.48
